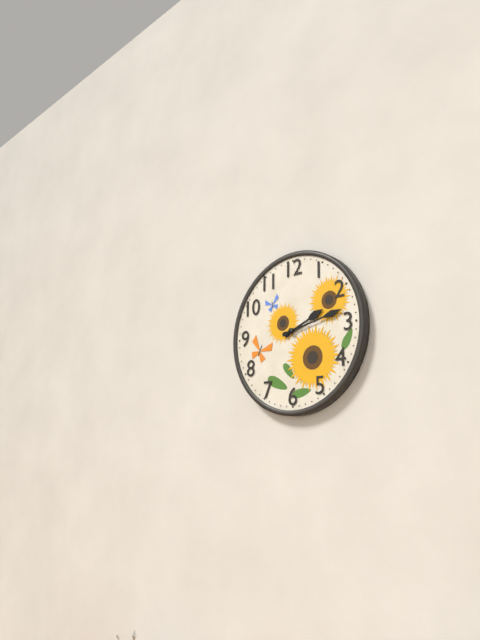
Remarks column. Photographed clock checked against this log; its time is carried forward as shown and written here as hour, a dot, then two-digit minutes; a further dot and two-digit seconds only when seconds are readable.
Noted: 2.13
